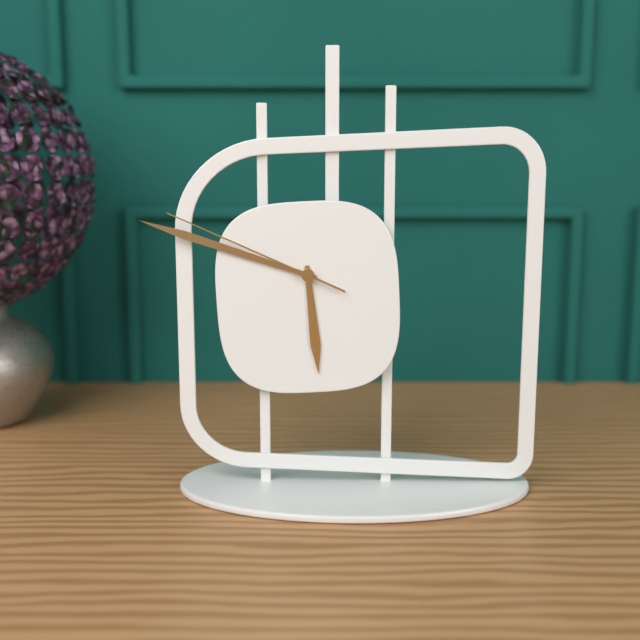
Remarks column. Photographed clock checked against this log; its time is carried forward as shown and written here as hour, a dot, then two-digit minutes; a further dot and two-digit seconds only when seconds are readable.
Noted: 5.48.49
